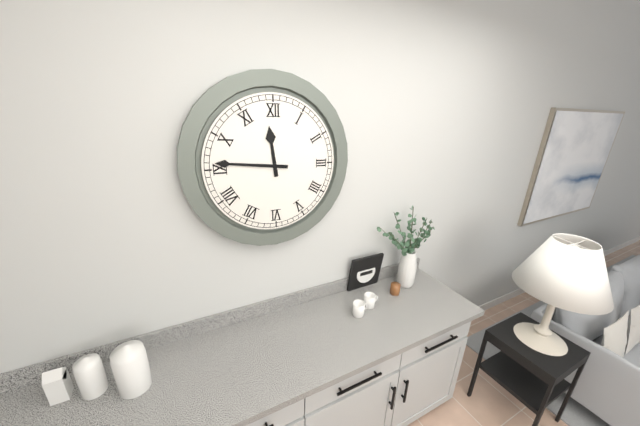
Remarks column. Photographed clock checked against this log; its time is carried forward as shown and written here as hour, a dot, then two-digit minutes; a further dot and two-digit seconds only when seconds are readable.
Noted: 11.46
